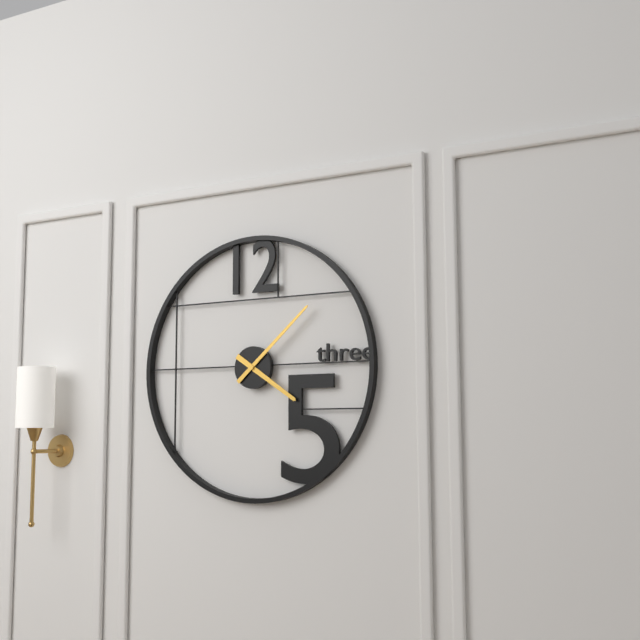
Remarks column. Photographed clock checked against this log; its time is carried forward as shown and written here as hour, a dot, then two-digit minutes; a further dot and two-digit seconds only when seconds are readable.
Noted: 4.08
